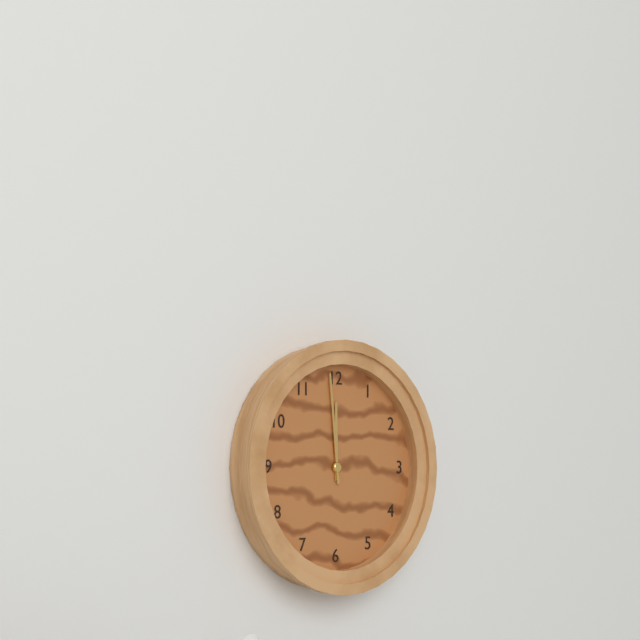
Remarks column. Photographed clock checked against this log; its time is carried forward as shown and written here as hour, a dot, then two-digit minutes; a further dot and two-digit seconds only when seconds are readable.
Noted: 11.59
